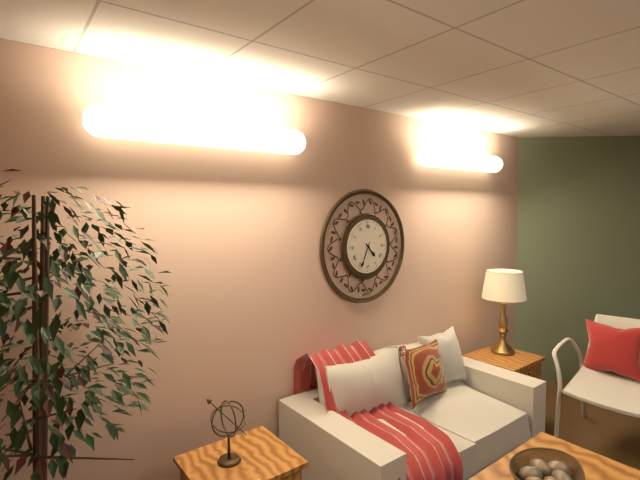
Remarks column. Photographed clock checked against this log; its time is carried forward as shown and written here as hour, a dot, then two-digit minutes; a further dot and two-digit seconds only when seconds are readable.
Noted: 4.34
